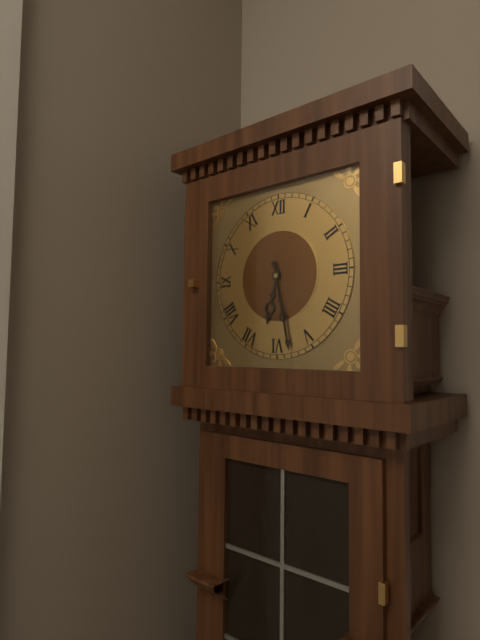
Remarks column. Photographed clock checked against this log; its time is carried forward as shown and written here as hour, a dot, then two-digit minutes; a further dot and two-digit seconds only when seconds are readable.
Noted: 6.28
